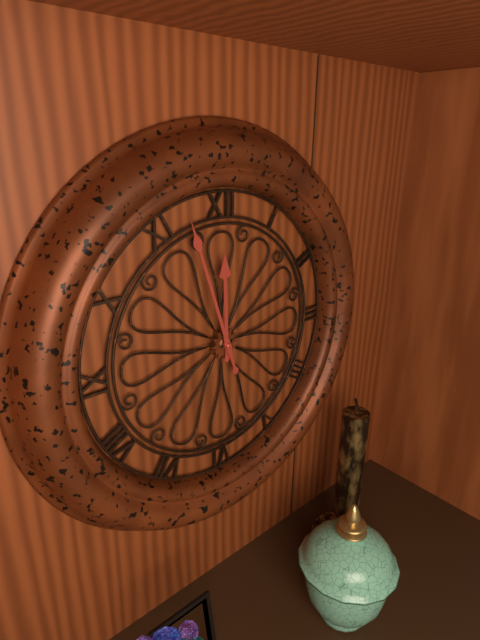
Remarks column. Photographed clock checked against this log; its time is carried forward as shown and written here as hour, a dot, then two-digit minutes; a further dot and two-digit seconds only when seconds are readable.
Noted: 11.57
